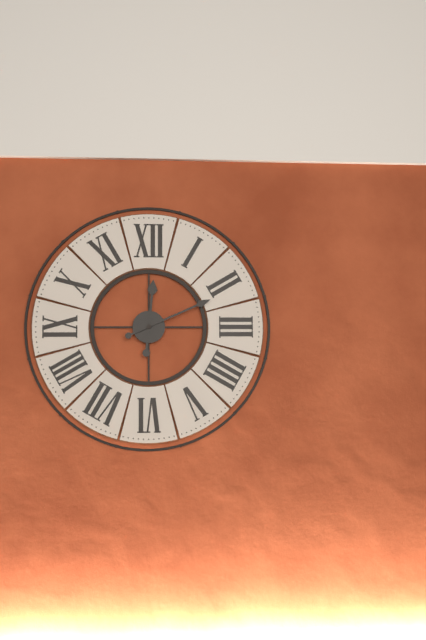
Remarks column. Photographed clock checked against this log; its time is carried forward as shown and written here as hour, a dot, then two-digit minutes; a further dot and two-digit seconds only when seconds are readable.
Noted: 12.11
